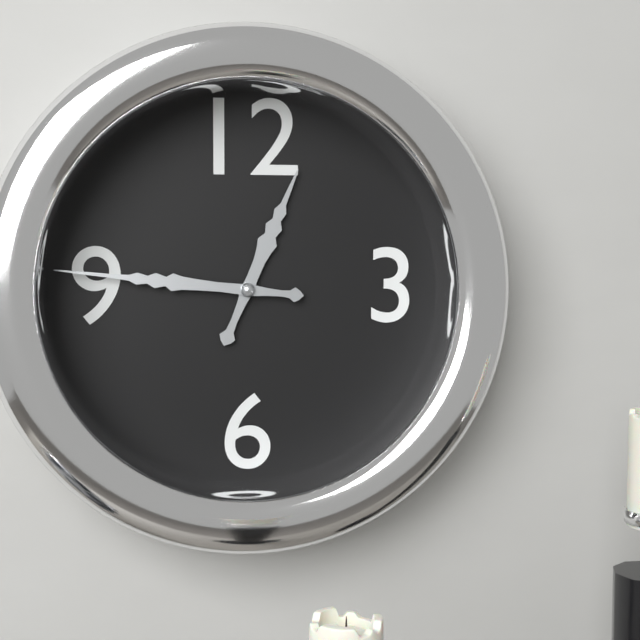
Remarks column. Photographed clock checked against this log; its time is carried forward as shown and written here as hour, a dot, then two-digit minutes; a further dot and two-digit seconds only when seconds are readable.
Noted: 12.46
